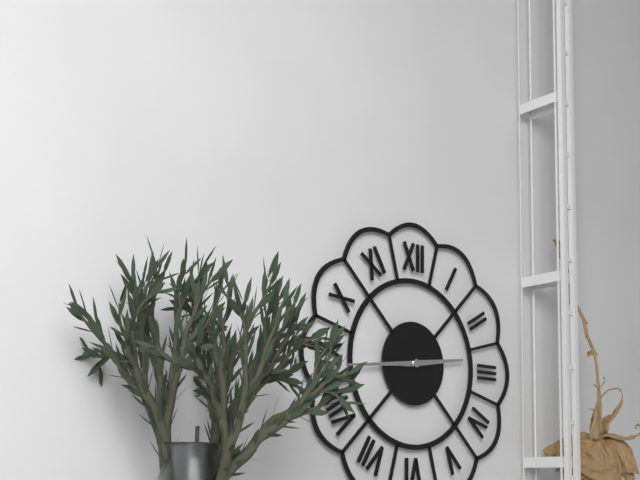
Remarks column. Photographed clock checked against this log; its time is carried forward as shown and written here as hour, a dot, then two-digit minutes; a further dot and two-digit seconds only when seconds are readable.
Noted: 2.44
